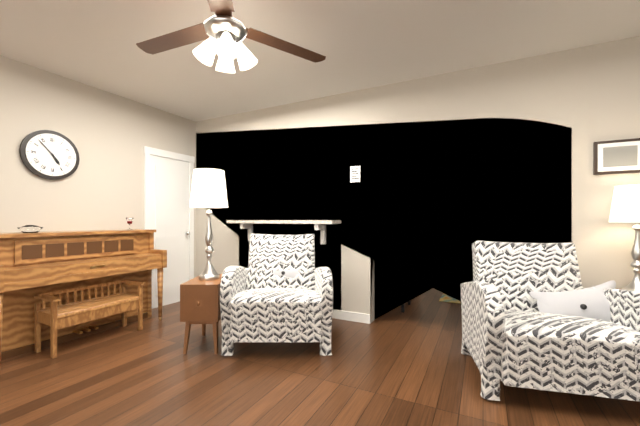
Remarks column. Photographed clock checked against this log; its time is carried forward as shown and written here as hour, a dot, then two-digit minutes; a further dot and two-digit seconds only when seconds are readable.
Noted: 4.53
